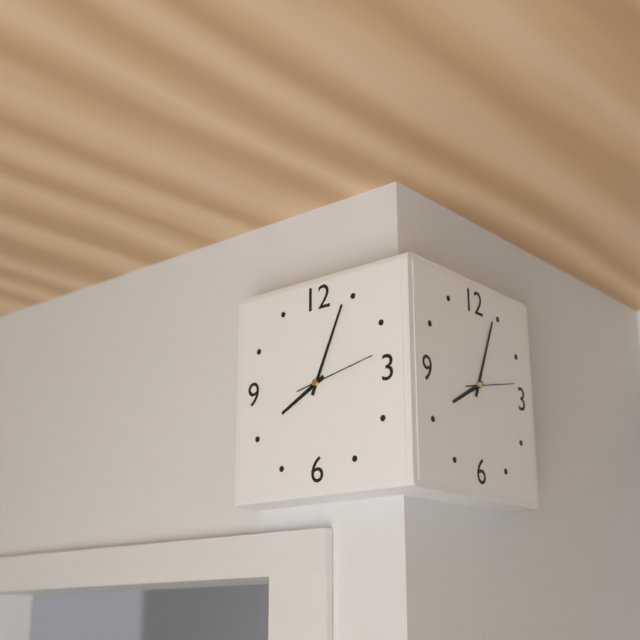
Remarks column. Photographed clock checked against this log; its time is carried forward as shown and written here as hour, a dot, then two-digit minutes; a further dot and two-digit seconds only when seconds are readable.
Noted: 8.04.13
